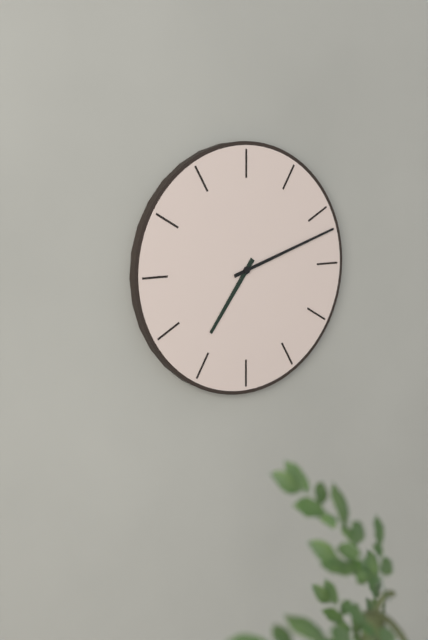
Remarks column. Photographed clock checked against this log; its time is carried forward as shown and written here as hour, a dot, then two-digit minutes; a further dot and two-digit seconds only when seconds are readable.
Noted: 7.12
